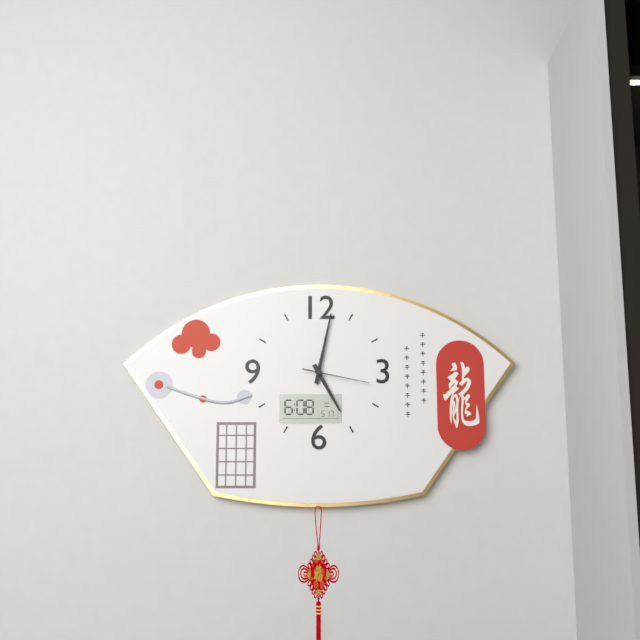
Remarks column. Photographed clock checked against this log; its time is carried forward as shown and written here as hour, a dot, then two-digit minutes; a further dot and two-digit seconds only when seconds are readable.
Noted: 5.02.17
